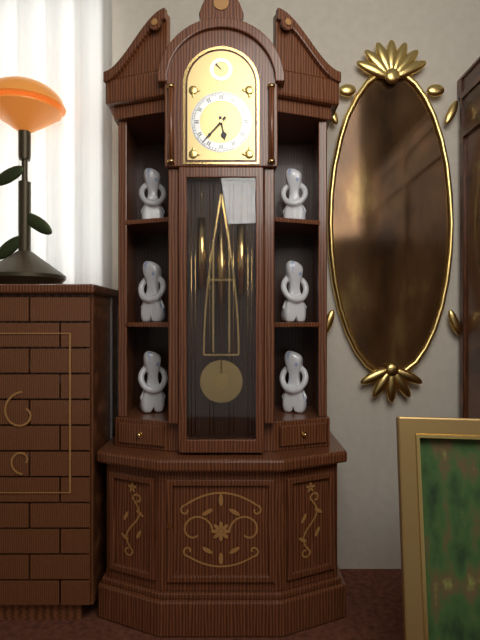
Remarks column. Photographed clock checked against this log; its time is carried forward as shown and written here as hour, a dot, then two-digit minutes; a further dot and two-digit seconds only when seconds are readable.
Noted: 5.37
